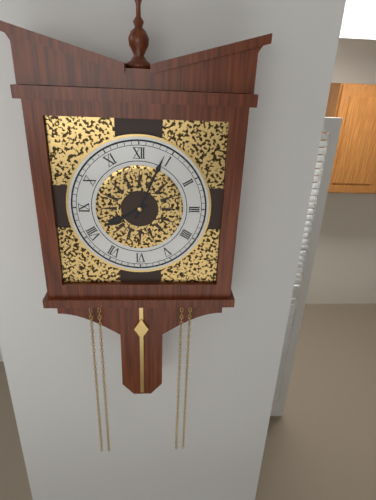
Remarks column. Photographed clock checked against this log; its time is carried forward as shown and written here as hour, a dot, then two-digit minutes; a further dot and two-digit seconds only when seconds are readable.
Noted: 8.04
